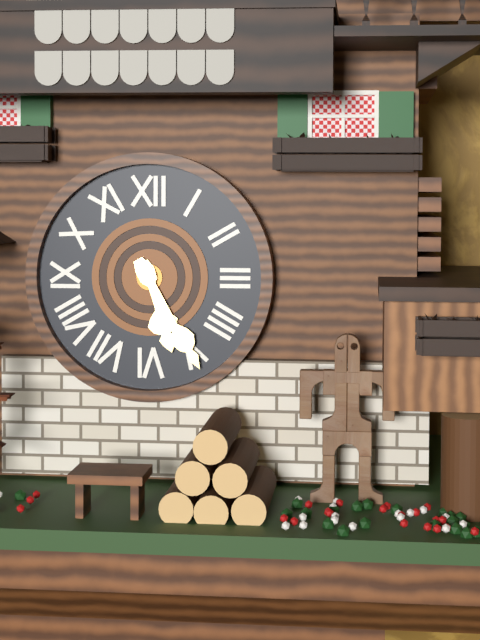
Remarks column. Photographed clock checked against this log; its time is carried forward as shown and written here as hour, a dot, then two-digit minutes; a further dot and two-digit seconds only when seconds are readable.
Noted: 5.25
